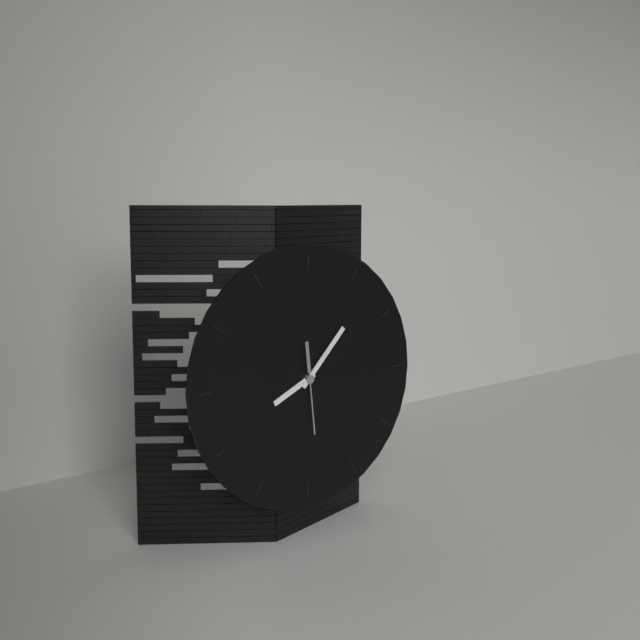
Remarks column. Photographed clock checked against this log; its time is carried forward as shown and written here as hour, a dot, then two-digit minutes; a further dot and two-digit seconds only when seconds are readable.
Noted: 8.07.29
